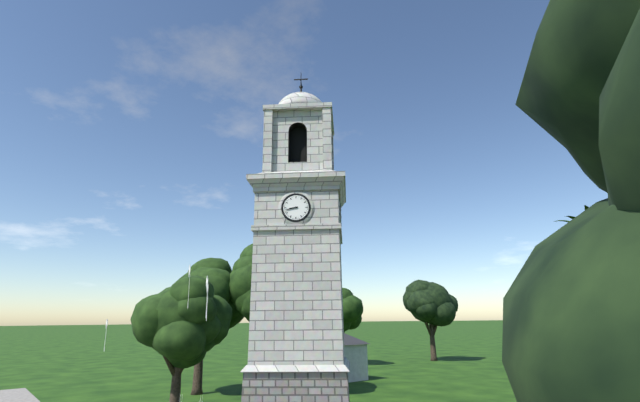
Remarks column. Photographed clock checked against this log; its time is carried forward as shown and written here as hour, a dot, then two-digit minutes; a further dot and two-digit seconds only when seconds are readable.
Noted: 8.43
